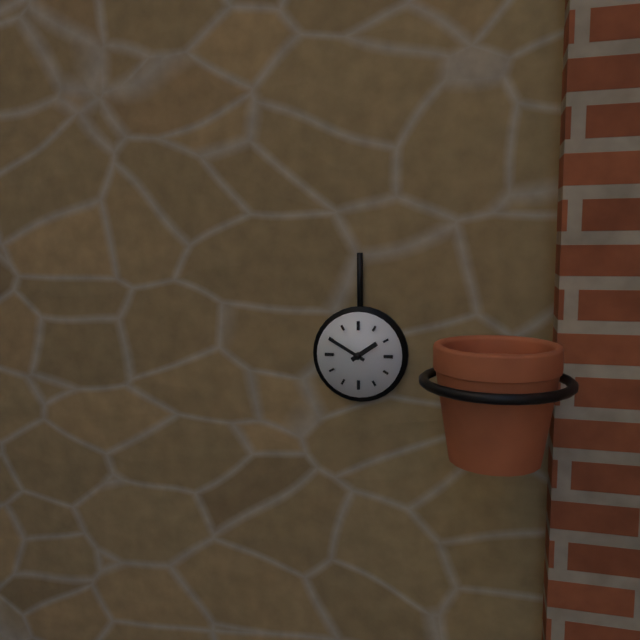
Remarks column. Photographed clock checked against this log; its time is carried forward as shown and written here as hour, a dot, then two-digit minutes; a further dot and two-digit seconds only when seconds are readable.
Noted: 1.50
